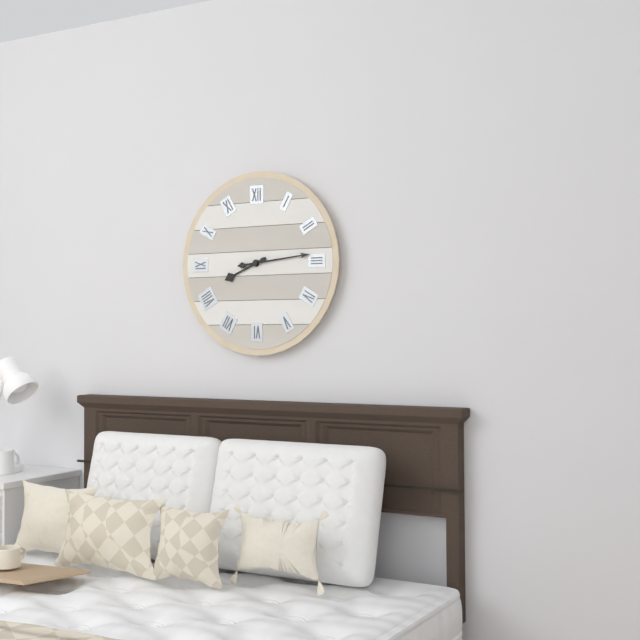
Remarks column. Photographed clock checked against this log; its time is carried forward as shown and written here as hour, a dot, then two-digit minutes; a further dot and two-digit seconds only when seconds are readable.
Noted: 8.14
